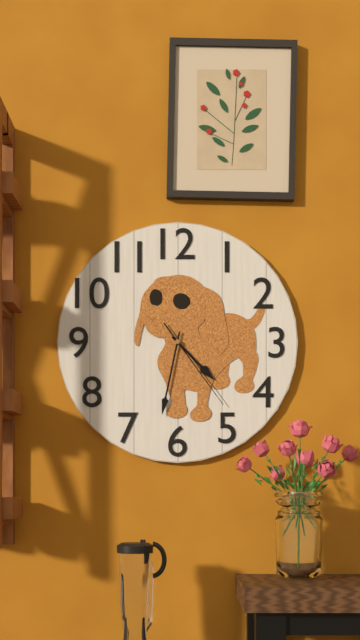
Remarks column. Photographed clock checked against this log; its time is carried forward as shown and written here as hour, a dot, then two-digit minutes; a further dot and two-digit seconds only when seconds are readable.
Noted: 4.32.24
